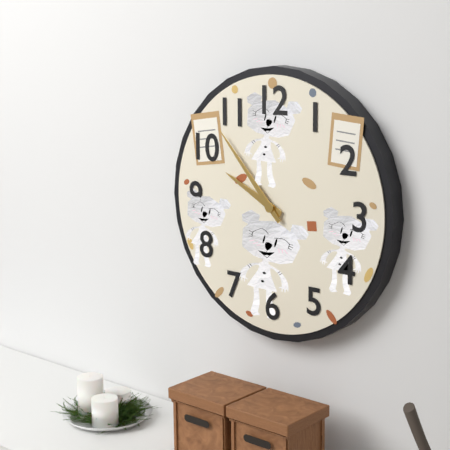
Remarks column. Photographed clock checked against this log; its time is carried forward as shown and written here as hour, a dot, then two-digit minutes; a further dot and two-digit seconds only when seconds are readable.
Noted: 9.53
